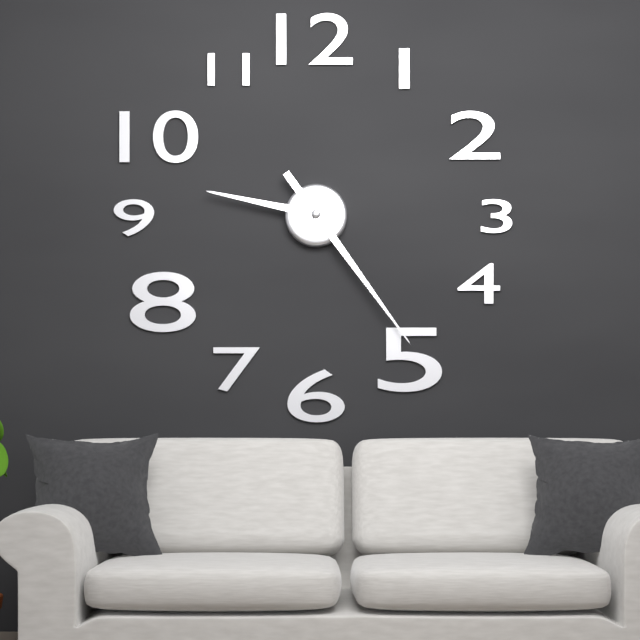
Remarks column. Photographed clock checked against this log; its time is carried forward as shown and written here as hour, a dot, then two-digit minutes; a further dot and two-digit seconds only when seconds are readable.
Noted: 9.24
